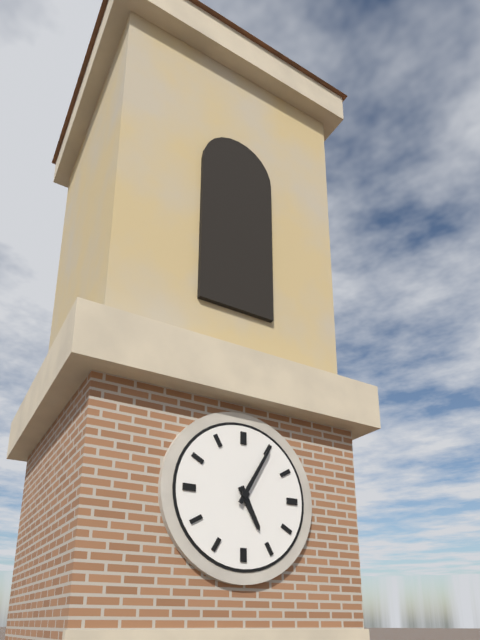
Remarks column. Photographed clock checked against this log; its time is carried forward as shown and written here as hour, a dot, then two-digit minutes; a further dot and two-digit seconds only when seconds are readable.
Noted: 5.05
